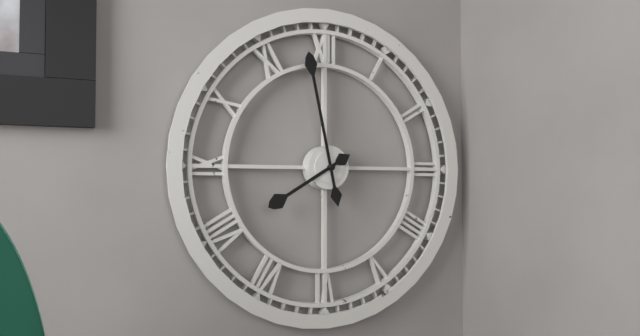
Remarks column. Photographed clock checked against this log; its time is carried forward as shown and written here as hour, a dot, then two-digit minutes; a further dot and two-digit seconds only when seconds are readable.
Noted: 7.58
